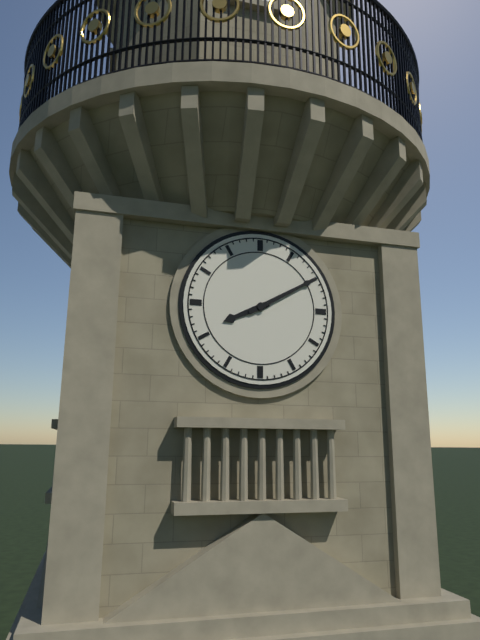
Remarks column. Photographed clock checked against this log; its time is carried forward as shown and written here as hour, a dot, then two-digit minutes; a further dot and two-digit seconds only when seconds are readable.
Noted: 8.10
